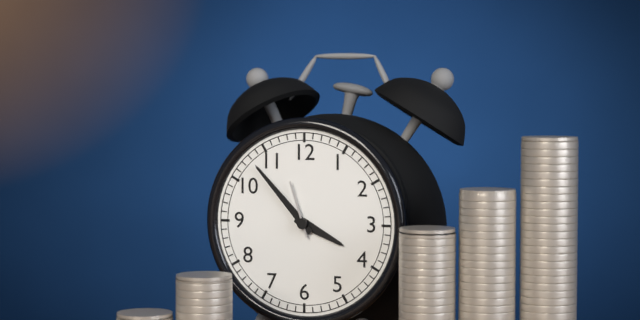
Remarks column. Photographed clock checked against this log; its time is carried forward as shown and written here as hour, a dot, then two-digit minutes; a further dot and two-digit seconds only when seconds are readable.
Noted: 3.53.57
